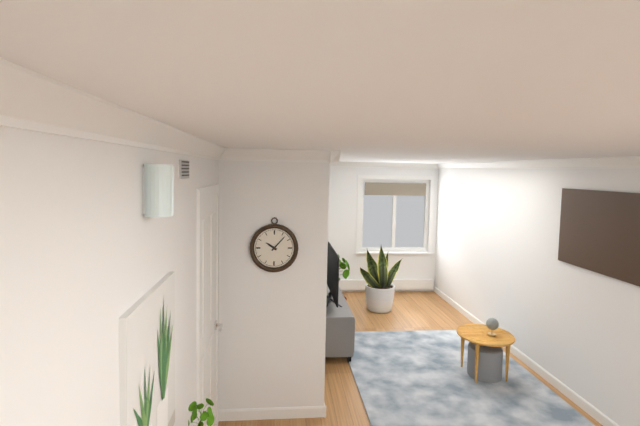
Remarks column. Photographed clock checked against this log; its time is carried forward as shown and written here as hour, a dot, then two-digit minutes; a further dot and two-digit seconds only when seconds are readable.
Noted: 10.07
